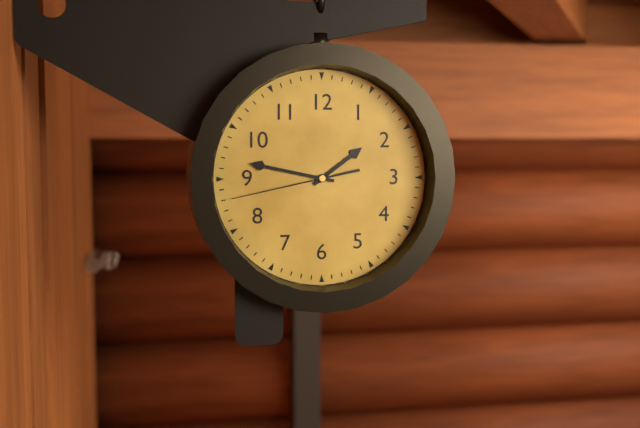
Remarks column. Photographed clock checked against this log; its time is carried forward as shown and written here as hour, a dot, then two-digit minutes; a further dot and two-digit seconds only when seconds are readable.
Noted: 1.47.43
